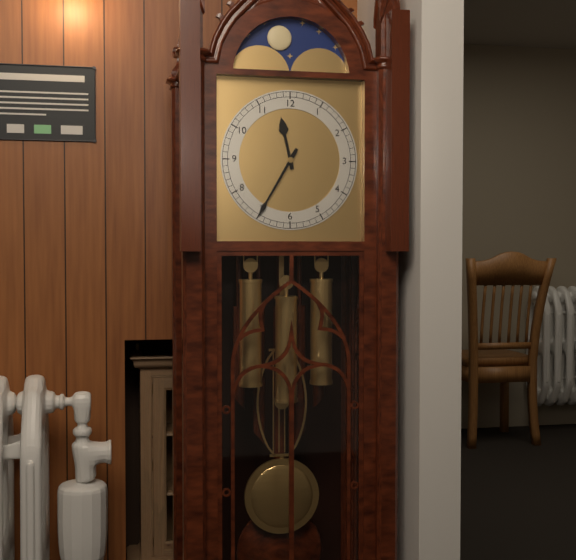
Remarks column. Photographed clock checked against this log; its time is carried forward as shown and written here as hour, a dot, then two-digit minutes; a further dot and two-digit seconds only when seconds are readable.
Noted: 11.35
